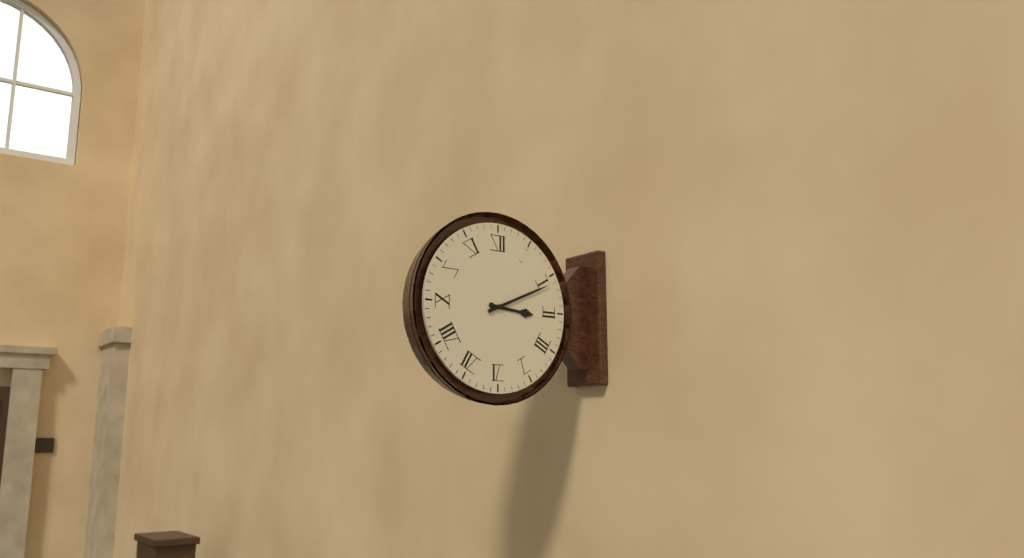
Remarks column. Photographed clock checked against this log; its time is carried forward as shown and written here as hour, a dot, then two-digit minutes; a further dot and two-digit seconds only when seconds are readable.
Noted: 3.11
